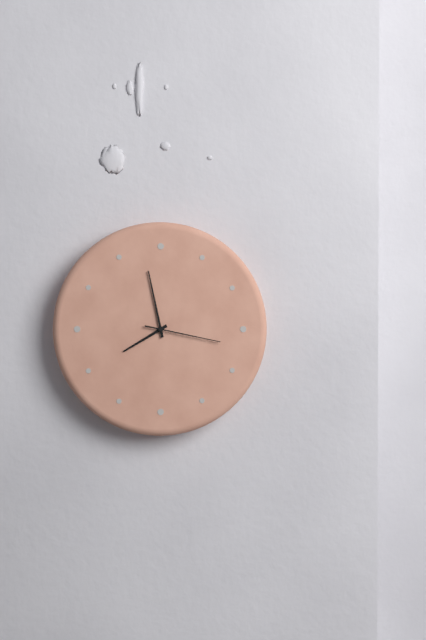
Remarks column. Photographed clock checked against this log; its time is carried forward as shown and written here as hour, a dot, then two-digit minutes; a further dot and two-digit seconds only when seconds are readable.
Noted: 7.58.17
